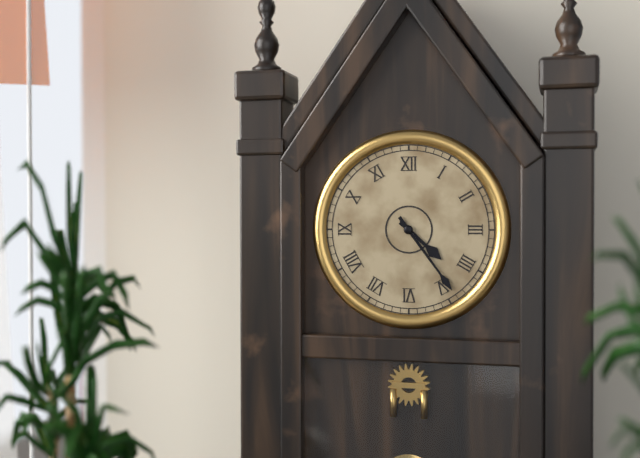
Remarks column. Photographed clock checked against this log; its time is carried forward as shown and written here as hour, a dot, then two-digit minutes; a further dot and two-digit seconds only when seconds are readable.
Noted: 4.24
